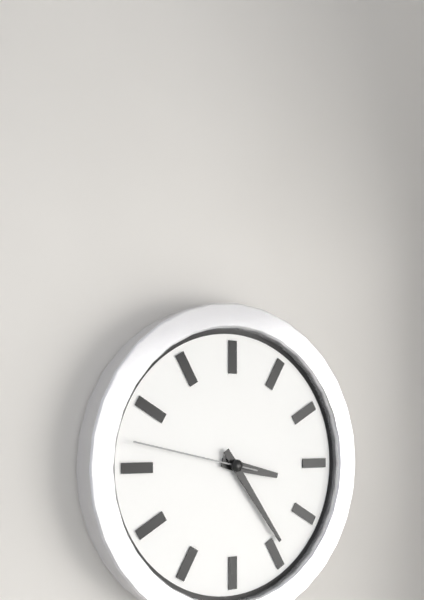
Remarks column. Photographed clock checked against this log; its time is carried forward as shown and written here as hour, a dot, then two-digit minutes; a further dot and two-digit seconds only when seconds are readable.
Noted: 3.24.47
